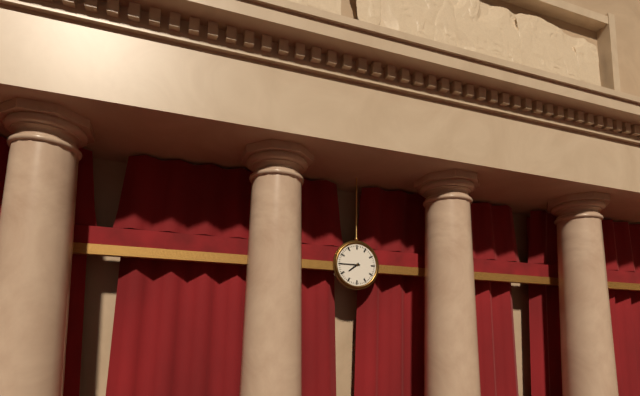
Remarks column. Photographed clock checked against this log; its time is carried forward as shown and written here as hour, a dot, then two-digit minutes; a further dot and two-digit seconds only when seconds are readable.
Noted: 7.45
